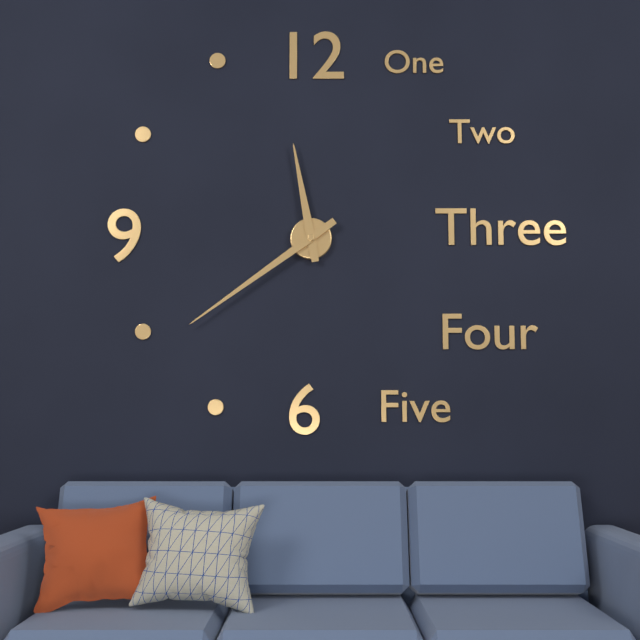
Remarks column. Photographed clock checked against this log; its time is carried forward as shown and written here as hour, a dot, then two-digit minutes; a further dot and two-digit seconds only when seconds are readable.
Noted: 11.39
